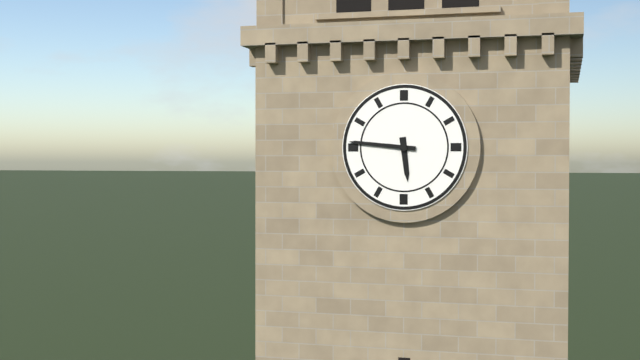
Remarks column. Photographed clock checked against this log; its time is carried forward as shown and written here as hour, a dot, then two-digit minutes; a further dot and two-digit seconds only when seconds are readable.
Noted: 5.46
